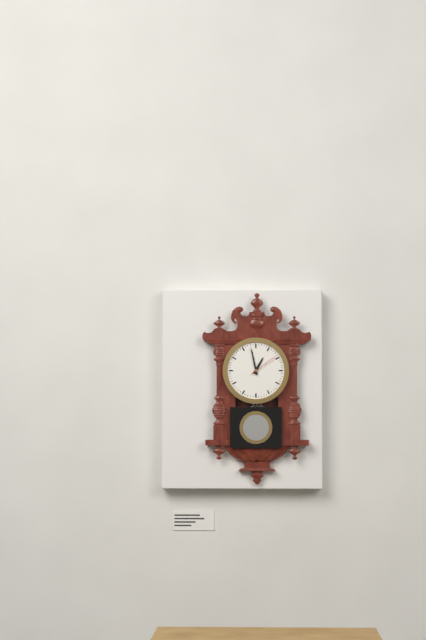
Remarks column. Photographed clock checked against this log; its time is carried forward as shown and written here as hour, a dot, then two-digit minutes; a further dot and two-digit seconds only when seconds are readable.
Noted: 12.58
